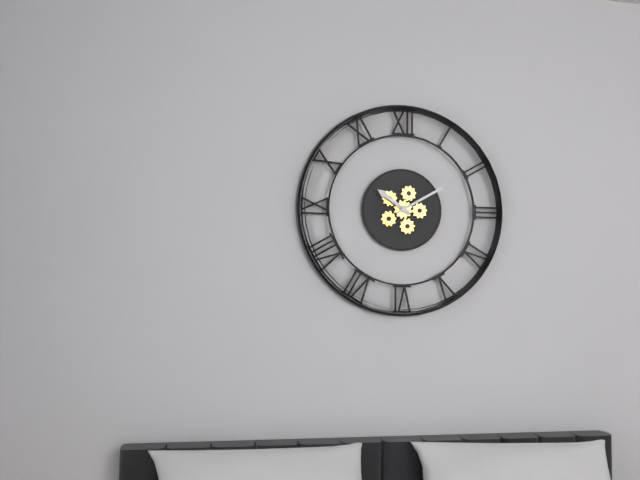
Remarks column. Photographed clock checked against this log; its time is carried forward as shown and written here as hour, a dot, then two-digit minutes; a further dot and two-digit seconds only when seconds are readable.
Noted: 10.10
